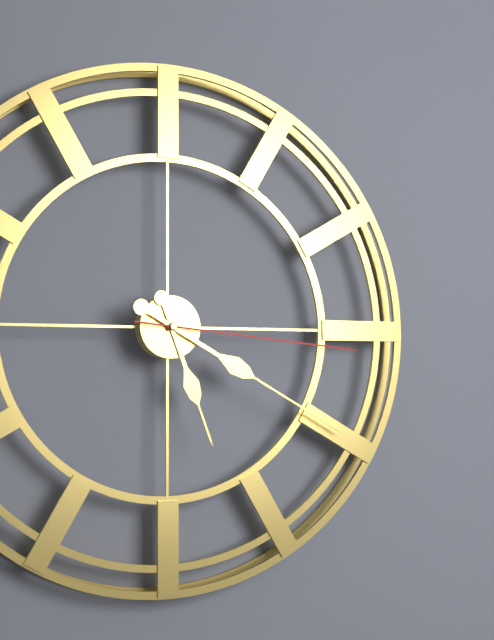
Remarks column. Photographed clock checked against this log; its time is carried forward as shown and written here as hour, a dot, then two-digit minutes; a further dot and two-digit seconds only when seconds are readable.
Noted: 5.20.16
